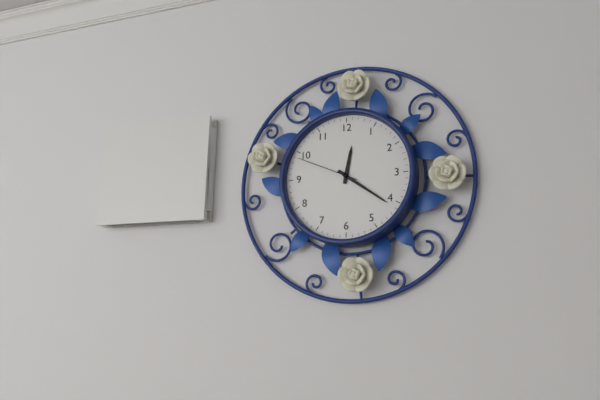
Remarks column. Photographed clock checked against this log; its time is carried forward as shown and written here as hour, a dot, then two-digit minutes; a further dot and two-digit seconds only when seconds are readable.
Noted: 12.21.49
